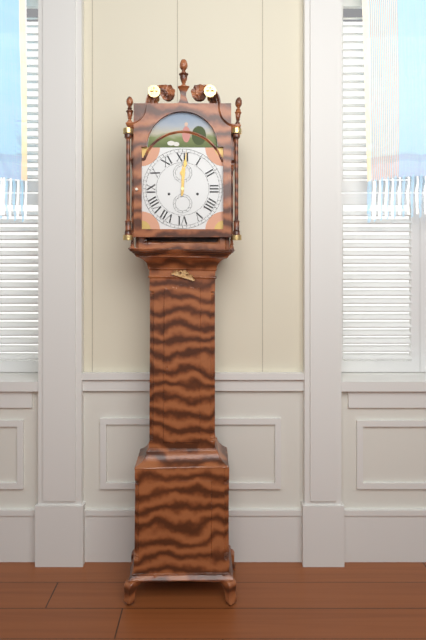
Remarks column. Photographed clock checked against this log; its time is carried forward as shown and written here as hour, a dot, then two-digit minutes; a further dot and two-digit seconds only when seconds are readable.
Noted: 12.01
